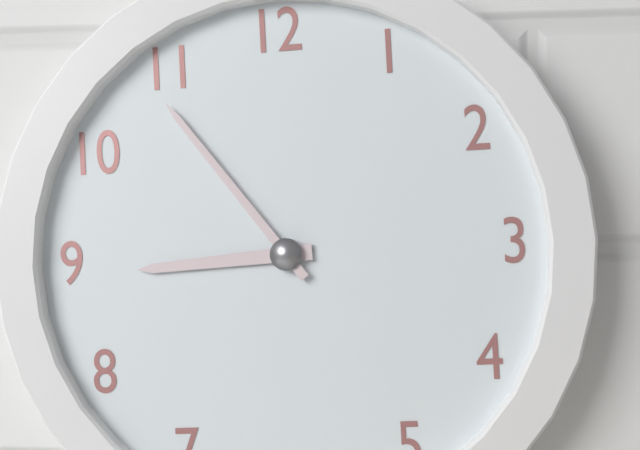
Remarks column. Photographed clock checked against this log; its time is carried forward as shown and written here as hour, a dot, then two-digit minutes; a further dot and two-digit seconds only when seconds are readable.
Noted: 8.54
